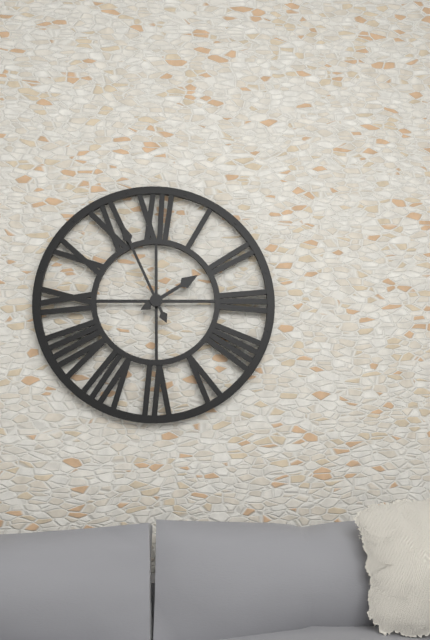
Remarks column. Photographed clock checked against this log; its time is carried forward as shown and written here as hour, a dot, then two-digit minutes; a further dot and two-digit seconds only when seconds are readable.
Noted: 1.56
